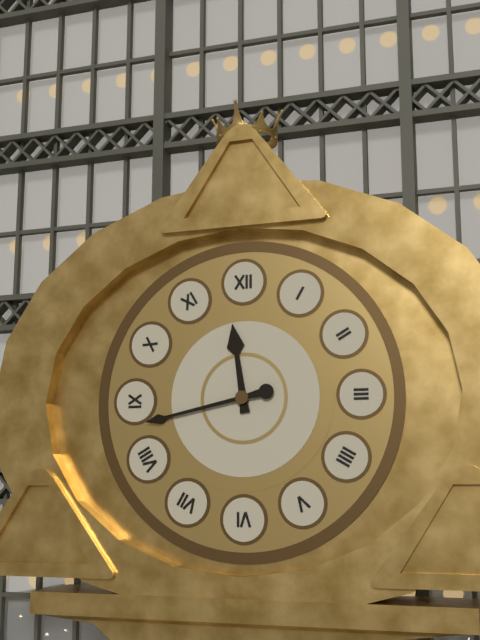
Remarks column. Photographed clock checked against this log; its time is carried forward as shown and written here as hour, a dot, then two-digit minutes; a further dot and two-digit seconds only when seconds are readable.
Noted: 11.43
